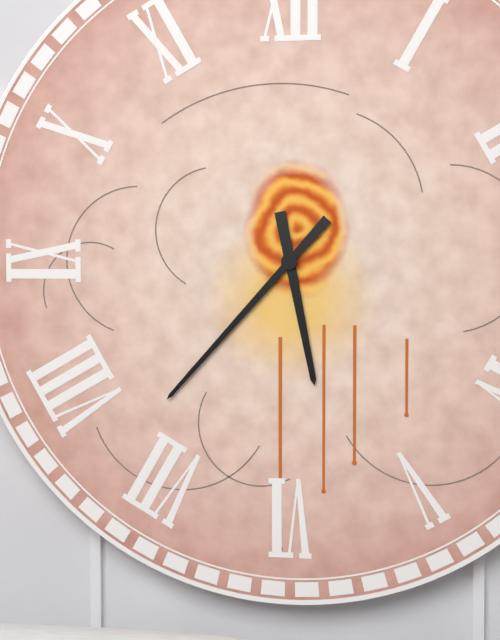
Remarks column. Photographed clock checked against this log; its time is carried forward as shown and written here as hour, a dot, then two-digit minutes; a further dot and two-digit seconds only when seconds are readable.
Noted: 5.37
